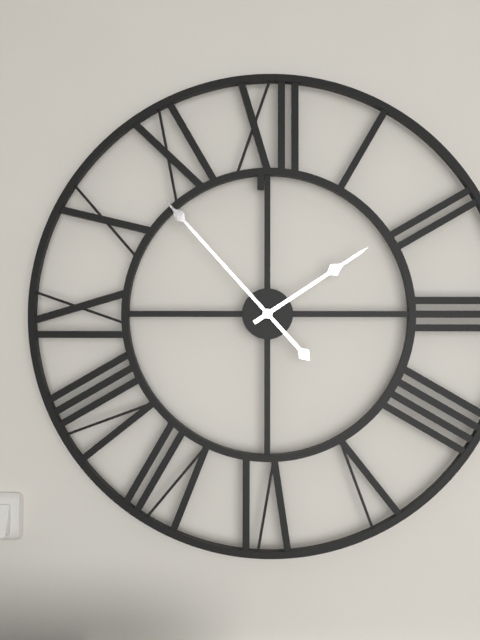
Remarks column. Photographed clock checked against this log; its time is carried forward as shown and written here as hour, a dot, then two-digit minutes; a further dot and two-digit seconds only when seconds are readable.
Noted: 1.53
